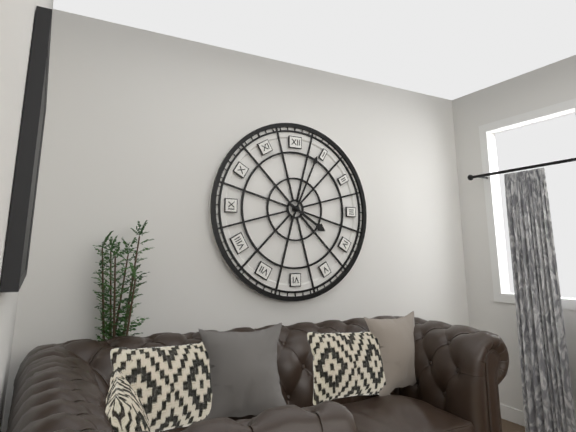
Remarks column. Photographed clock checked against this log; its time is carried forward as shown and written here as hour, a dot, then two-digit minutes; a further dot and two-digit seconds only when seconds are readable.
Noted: 4.04
